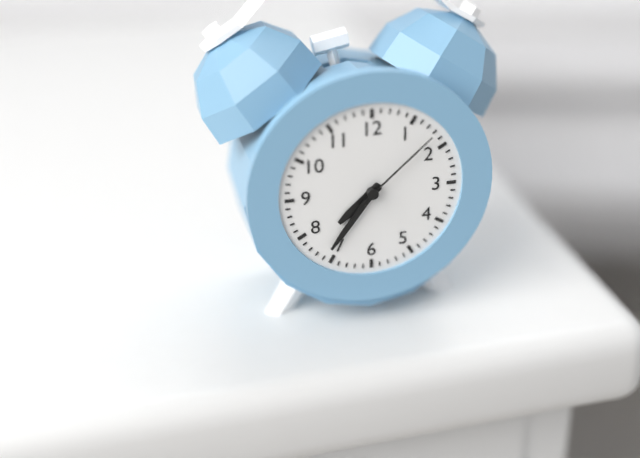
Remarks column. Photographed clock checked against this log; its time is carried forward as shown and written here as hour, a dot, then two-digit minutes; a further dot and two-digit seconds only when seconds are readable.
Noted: 7.36.08
